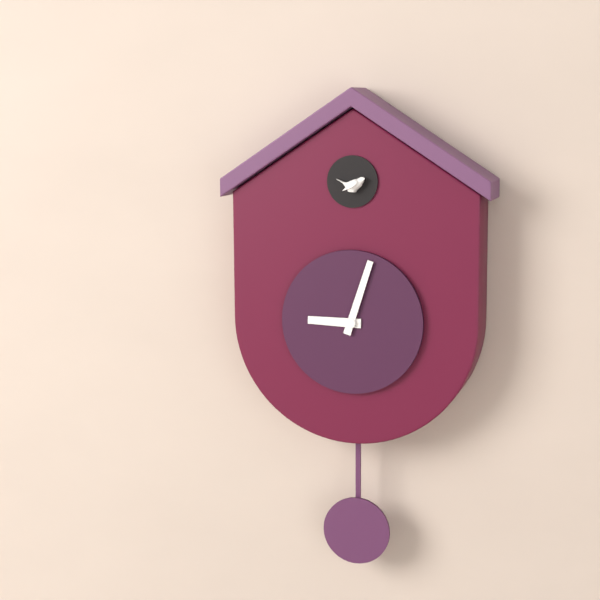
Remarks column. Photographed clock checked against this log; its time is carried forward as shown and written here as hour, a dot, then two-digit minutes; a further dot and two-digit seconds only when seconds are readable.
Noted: 9.03
